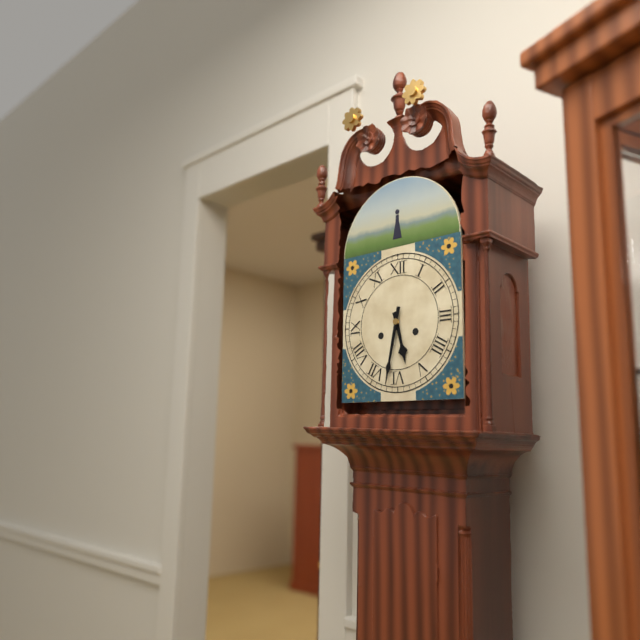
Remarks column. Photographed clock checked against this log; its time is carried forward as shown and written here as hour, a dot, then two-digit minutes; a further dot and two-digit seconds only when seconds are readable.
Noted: 5.32
